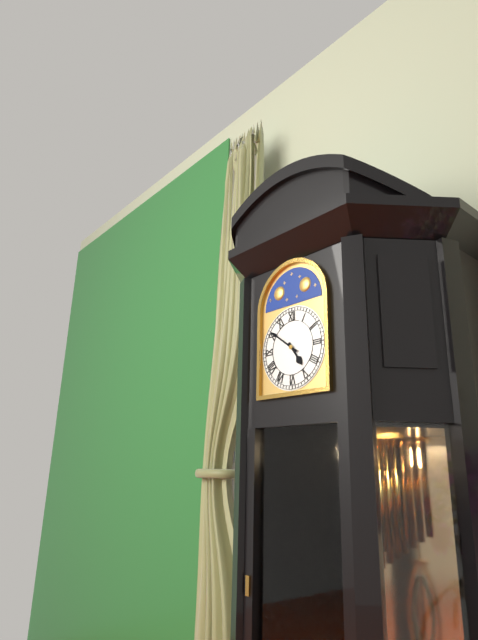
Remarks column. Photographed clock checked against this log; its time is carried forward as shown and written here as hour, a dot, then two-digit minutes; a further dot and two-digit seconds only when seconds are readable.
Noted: 4.51
